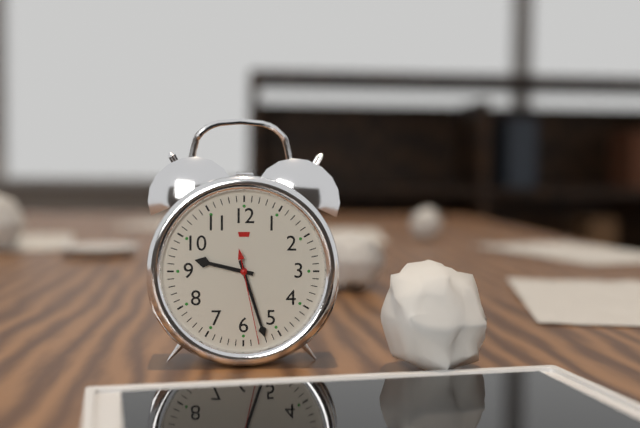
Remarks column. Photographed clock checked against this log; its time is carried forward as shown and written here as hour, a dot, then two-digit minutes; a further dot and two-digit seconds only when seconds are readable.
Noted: 9.27.28
